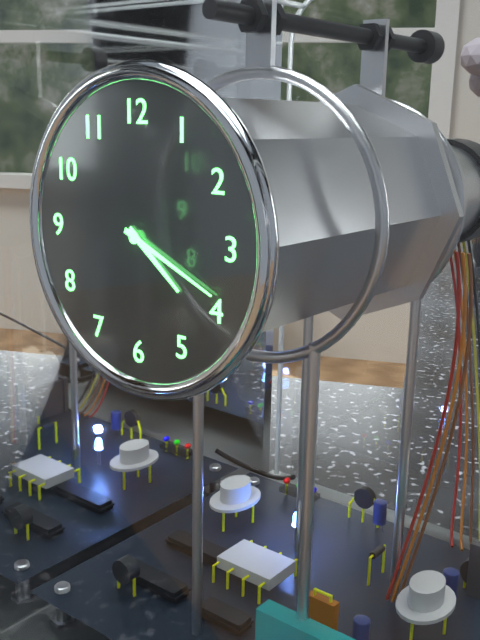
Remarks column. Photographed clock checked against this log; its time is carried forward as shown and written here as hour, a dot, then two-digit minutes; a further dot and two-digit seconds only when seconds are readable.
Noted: 4.19
